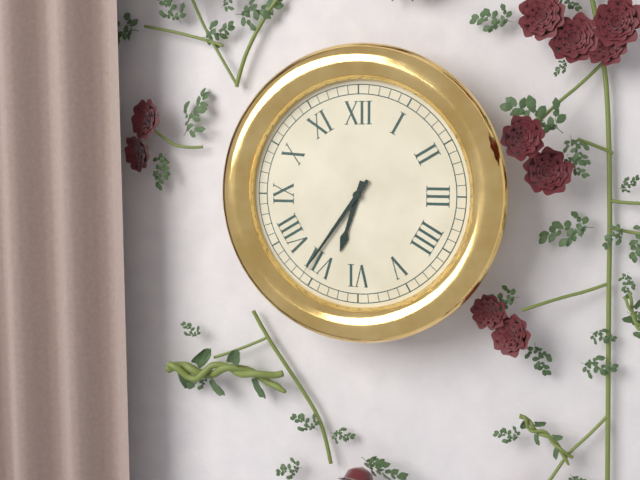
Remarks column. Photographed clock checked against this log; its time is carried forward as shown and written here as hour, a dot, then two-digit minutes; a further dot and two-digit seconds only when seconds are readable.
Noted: 6.36
